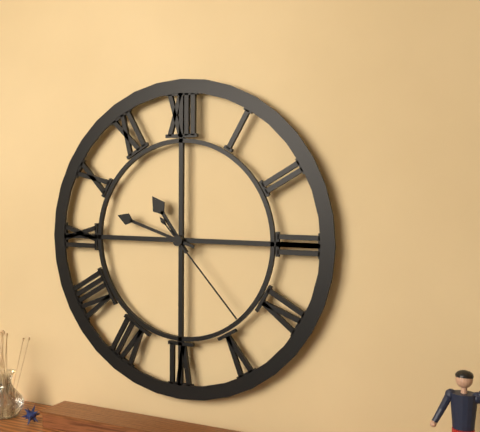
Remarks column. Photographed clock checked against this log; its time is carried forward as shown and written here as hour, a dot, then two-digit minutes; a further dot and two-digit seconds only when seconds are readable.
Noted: 10.48.23
